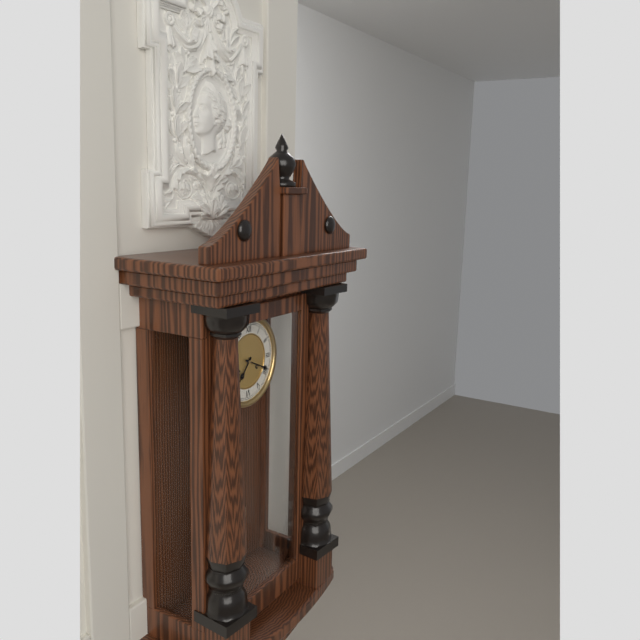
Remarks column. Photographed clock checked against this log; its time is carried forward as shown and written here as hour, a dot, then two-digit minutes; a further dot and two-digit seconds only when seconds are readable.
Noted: 7.19
